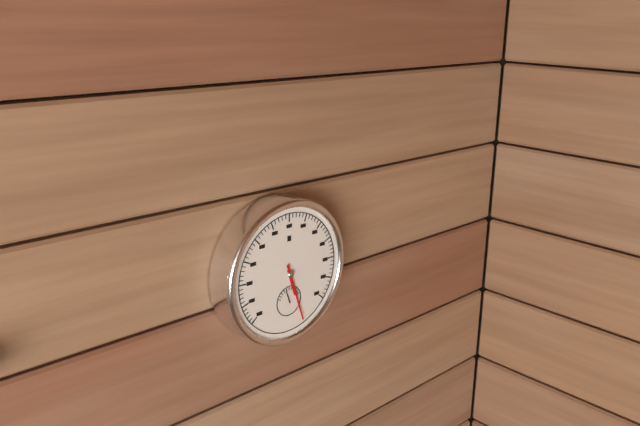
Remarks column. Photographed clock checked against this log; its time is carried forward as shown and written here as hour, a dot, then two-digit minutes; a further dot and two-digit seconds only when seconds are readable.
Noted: 5.27
